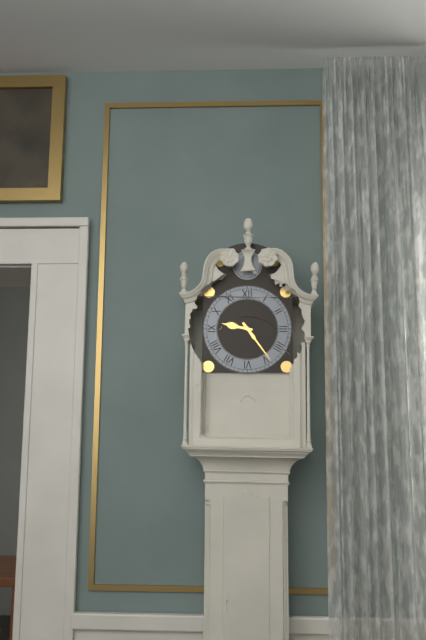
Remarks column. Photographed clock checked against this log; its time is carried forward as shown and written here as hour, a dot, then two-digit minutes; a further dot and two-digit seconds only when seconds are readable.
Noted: 9.24
